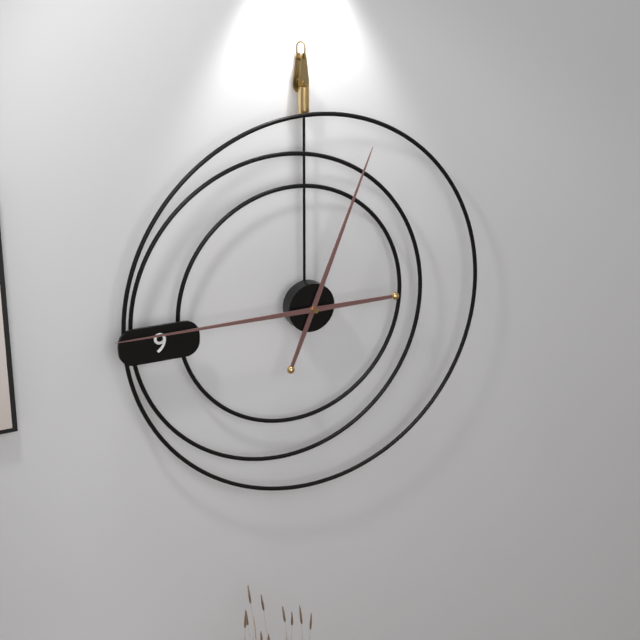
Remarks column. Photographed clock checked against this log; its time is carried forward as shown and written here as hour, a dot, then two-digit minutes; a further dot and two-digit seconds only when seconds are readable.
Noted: 12.45
